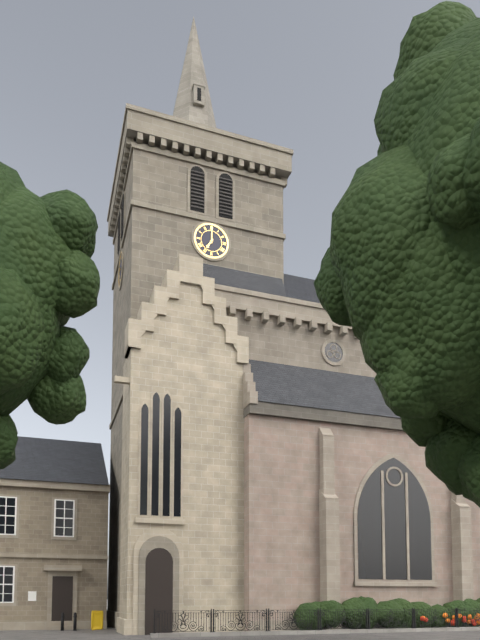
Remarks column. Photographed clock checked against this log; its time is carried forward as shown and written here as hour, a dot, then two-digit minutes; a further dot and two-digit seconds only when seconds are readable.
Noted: 7.00
